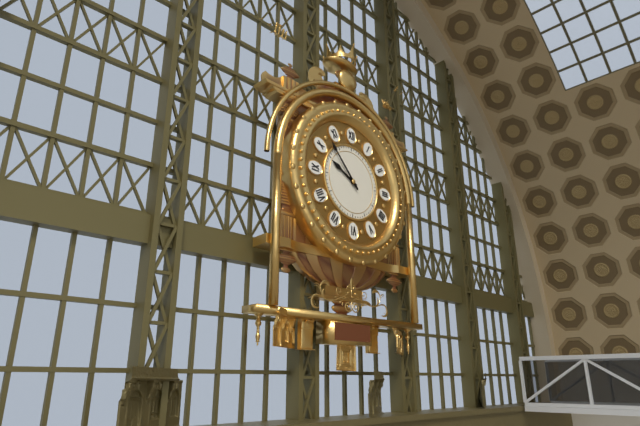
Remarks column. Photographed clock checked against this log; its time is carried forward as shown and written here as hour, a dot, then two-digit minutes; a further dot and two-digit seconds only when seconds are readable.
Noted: 9.53
